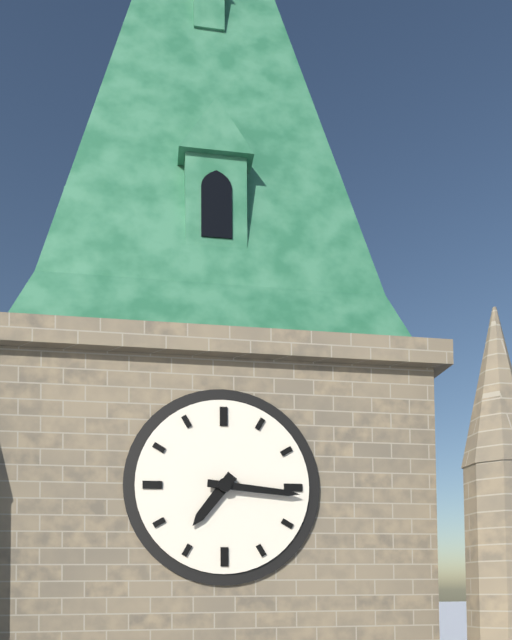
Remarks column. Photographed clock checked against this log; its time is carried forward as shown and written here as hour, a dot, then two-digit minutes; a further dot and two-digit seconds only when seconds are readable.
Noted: 7.16
